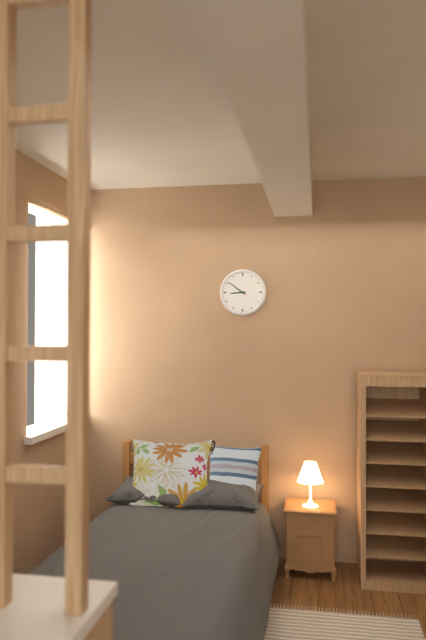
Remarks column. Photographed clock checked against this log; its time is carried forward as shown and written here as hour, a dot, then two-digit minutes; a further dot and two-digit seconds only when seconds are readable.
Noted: 8.51
